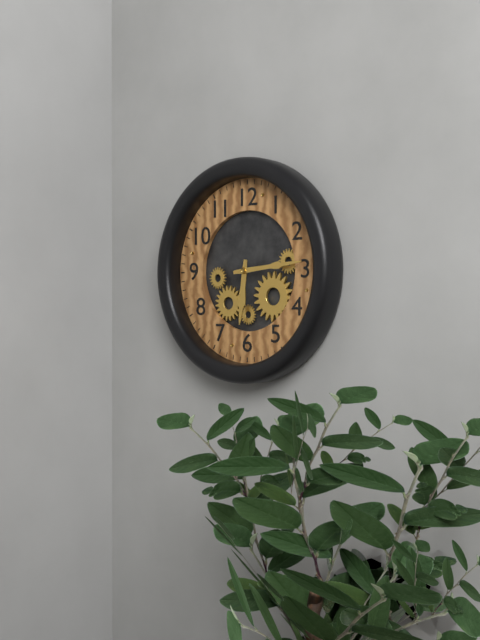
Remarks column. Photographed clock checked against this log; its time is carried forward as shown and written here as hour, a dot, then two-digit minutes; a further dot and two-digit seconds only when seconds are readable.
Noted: 6.14
